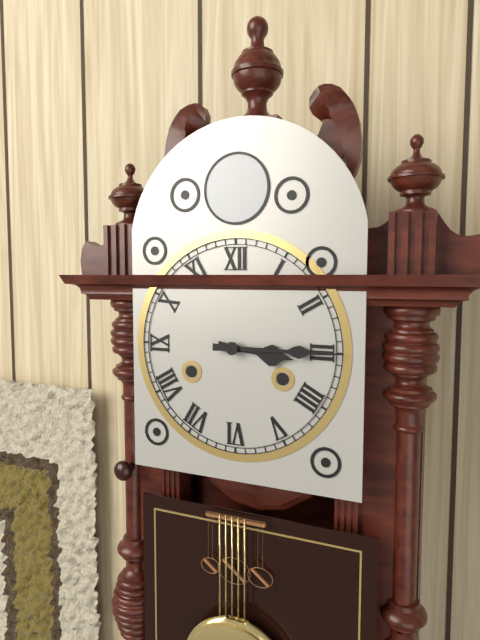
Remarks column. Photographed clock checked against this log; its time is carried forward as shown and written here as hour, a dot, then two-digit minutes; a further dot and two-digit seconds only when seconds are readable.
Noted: 3.15
